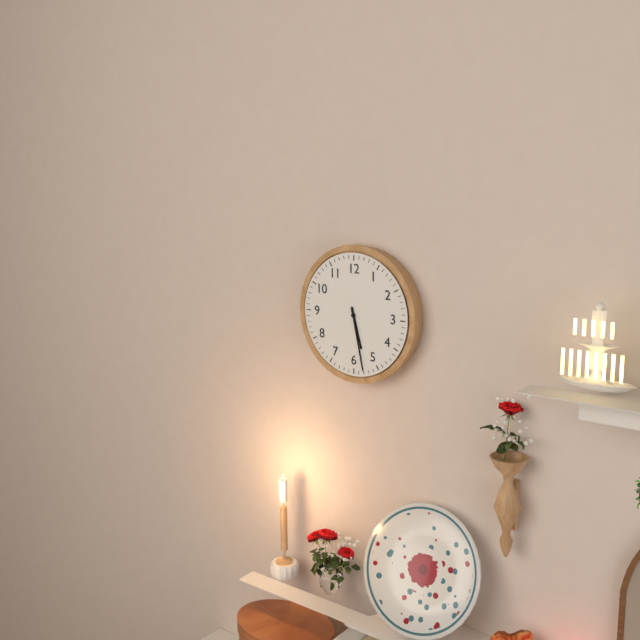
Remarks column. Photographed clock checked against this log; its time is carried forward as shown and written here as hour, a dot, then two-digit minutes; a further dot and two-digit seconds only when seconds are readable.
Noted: 5.28
